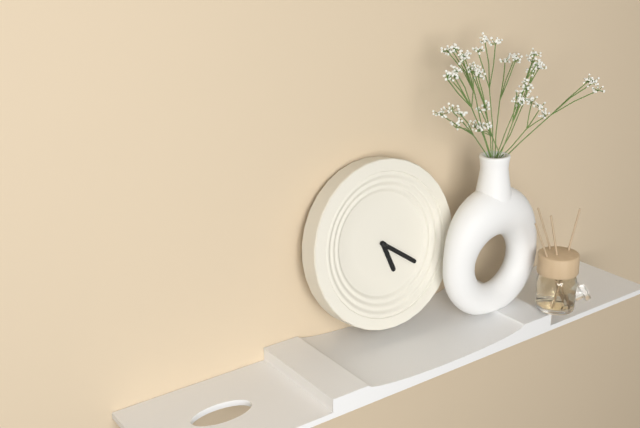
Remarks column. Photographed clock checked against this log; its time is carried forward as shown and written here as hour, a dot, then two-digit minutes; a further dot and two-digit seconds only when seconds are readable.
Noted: 5.21
